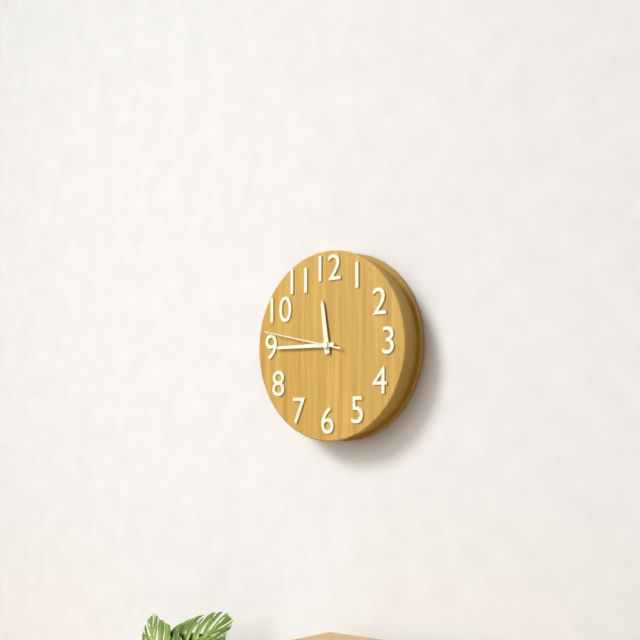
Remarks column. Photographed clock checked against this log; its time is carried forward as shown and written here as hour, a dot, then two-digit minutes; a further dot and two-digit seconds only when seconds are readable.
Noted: 11.45.47
